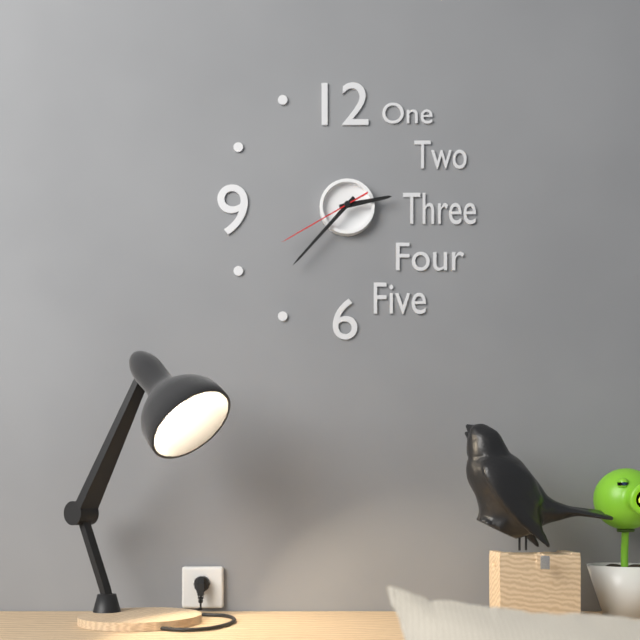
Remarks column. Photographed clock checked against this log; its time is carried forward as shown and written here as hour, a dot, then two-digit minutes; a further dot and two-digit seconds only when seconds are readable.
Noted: 2.37.40
